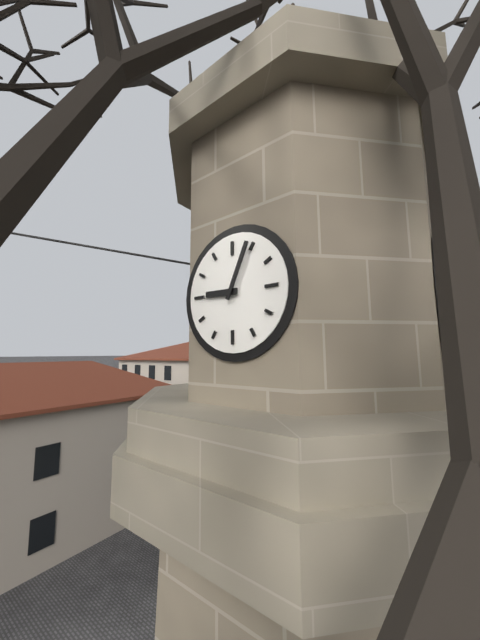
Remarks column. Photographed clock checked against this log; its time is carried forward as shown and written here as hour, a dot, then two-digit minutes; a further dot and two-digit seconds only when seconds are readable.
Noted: 9.04
